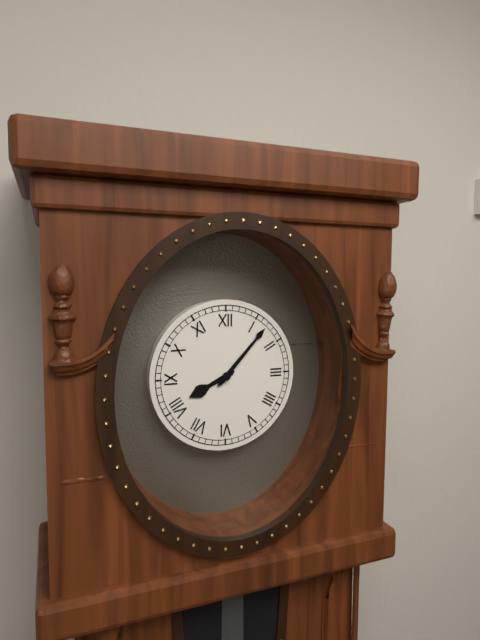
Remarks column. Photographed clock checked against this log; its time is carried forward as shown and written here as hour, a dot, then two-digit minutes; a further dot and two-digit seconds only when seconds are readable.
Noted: 8.07
